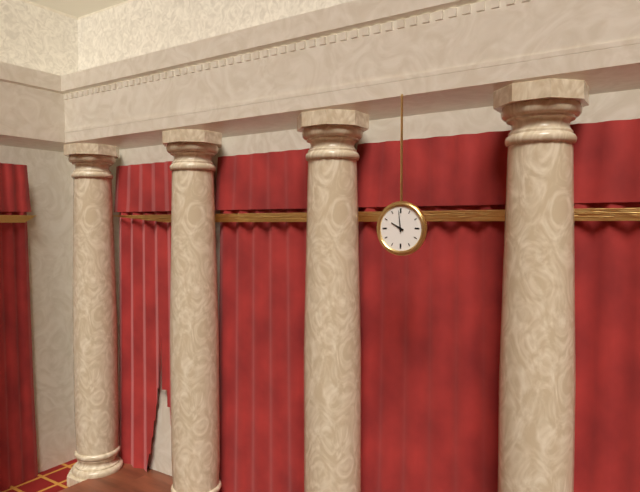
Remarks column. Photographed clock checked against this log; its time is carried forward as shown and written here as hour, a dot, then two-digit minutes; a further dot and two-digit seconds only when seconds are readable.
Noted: 9.59
